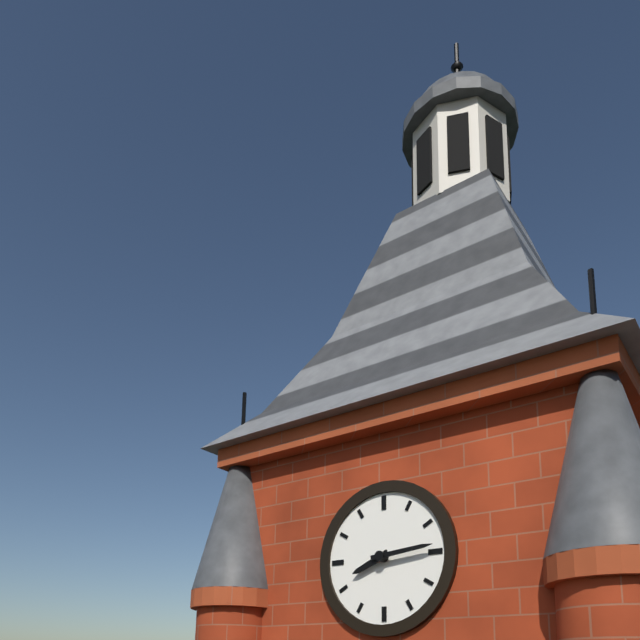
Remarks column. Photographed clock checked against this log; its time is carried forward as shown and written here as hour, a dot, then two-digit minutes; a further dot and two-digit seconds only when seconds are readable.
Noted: 8.14
